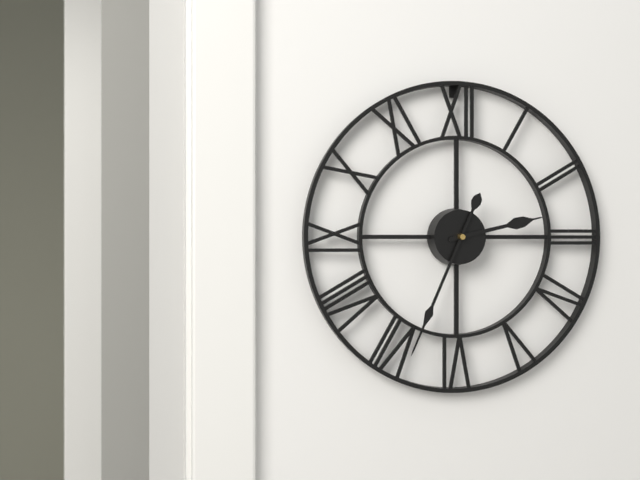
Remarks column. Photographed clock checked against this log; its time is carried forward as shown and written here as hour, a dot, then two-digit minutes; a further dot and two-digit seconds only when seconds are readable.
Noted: 2.34
